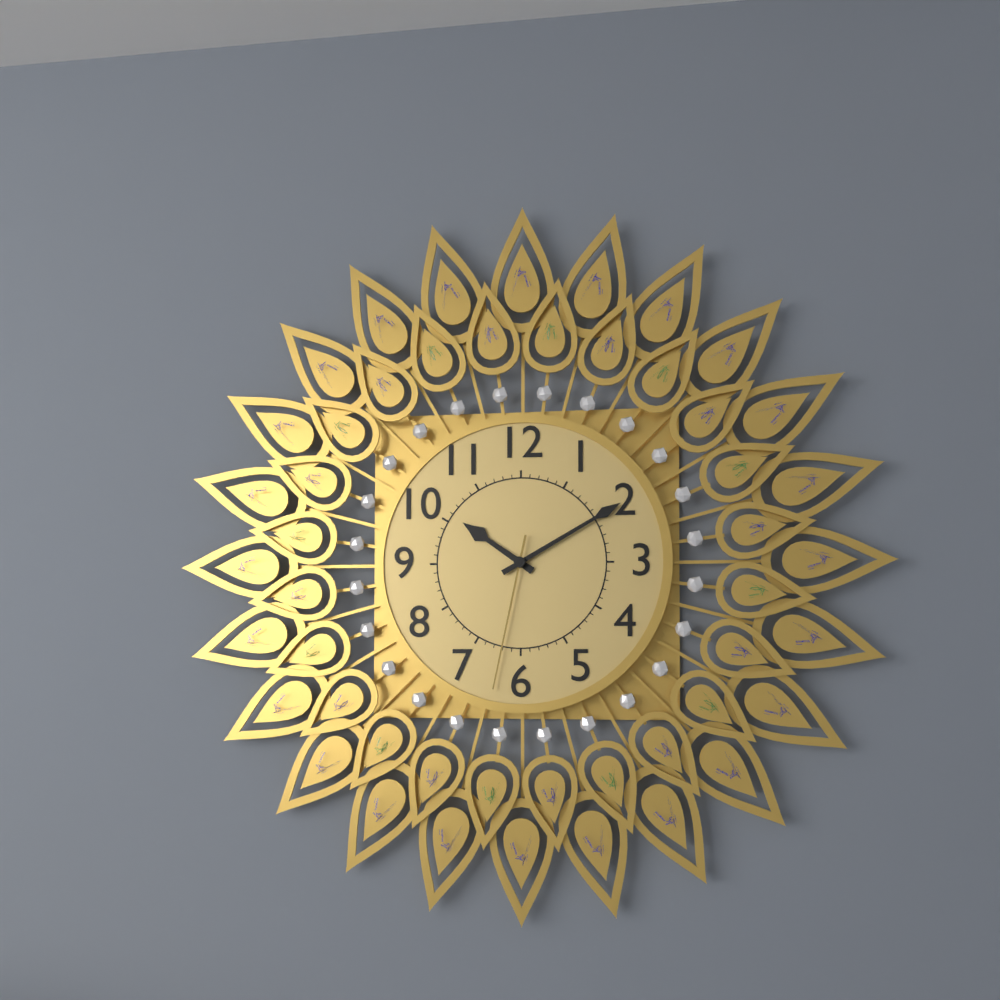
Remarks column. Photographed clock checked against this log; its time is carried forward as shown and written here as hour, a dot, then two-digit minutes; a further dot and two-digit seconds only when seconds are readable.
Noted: 10.10.32
